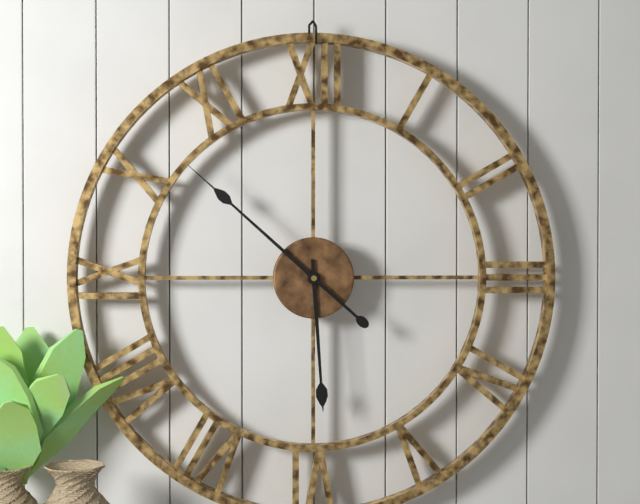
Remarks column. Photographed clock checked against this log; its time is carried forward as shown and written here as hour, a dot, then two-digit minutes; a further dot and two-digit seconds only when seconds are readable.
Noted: 5.52
